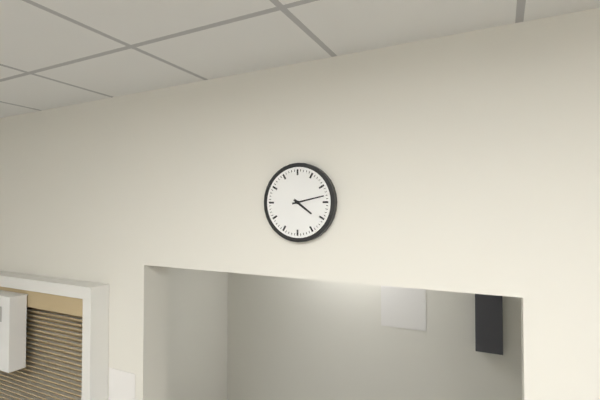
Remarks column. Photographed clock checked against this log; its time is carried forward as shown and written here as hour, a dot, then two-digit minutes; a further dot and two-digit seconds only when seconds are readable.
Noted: 4.13
